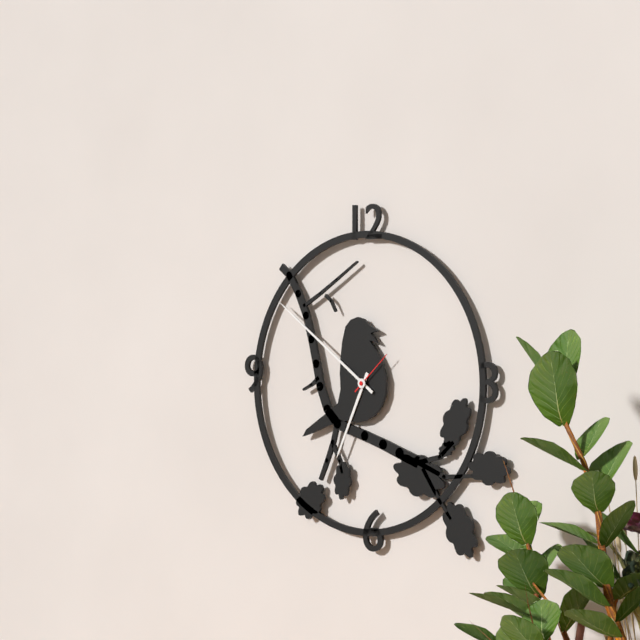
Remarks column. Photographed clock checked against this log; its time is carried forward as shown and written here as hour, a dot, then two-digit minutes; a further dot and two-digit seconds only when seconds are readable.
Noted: 6.51
